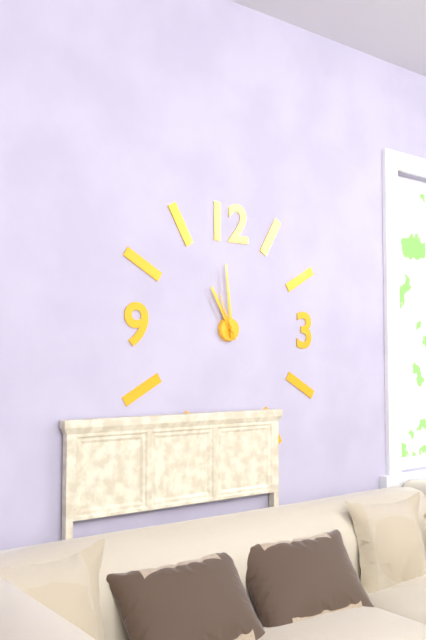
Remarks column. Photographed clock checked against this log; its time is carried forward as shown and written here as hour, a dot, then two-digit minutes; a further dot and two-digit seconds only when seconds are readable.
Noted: 10.59
